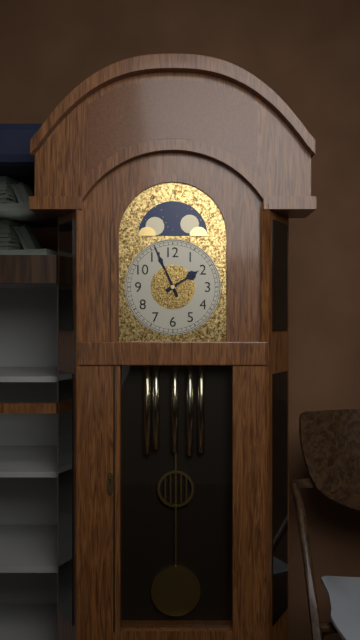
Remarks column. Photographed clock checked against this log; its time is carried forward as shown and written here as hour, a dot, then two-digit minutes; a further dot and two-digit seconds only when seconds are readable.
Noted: 1.56
